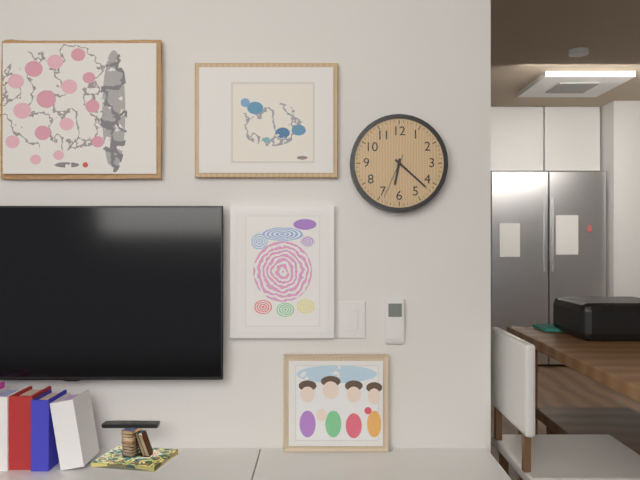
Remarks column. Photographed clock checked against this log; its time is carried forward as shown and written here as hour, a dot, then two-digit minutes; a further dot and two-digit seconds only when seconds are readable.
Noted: 6.22
